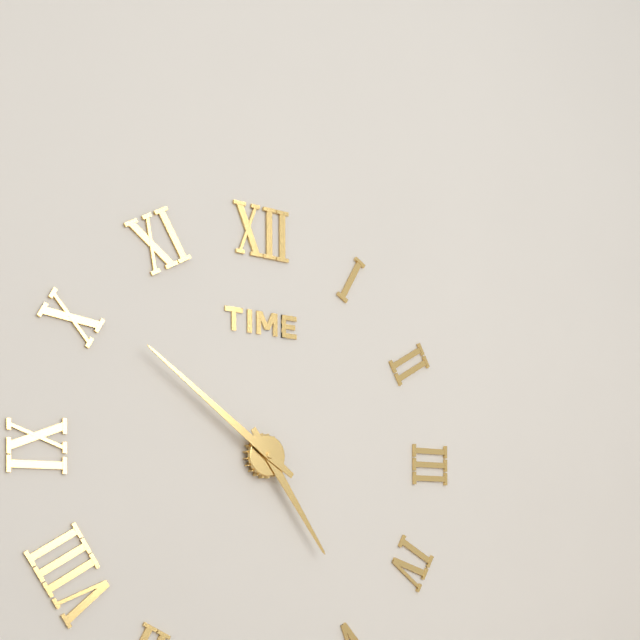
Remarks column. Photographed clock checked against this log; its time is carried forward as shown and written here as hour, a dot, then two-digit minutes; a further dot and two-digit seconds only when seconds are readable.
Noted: 4.51
